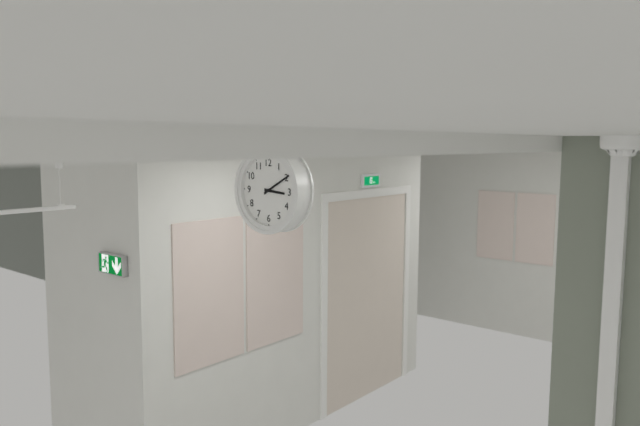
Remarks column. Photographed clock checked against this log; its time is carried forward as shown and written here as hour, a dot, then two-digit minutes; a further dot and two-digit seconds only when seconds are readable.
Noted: 3.10
